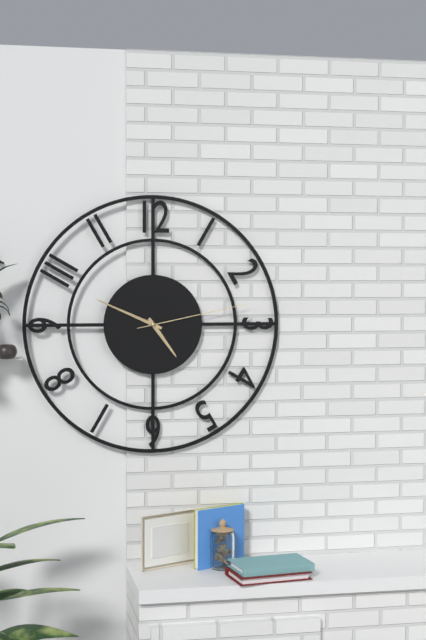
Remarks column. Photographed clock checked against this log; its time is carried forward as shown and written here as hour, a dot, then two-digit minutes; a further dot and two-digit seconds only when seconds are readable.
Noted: 4.49.13
